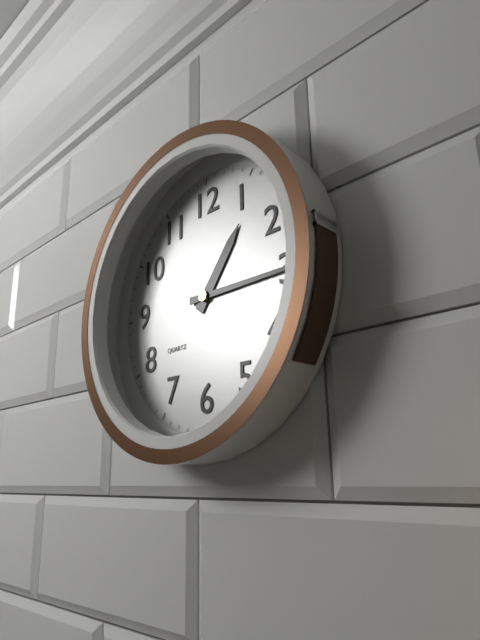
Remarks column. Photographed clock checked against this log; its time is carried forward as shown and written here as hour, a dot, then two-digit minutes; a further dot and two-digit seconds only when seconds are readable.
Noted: 1.15
